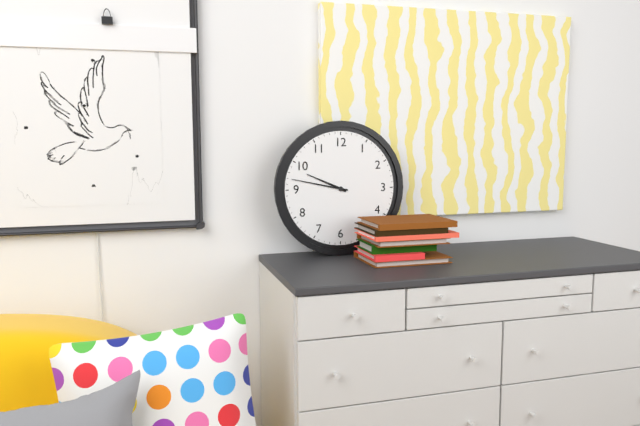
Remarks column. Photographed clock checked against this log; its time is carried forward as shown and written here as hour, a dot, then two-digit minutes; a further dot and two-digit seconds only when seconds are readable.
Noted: 9.47
